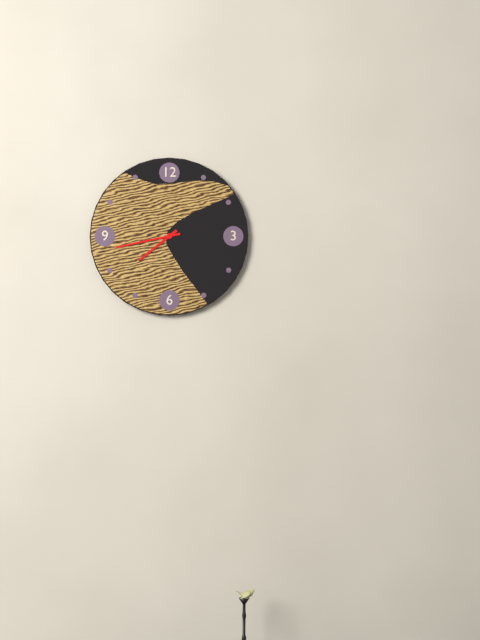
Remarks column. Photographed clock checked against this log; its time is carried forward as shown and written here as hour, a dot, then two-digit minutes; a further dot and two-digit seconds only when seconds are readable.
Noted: 7.43
